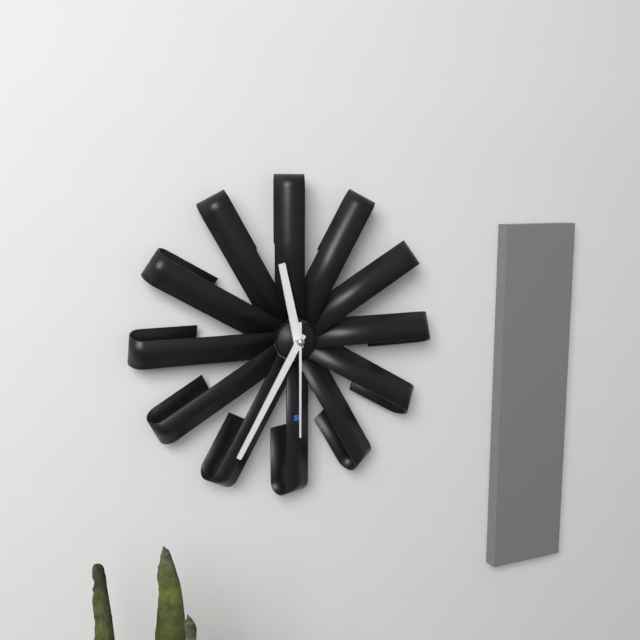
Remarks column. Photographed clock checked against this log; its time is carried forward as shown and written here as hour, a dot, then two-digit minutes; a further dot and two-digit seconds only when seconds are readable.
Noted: 11.35.30
